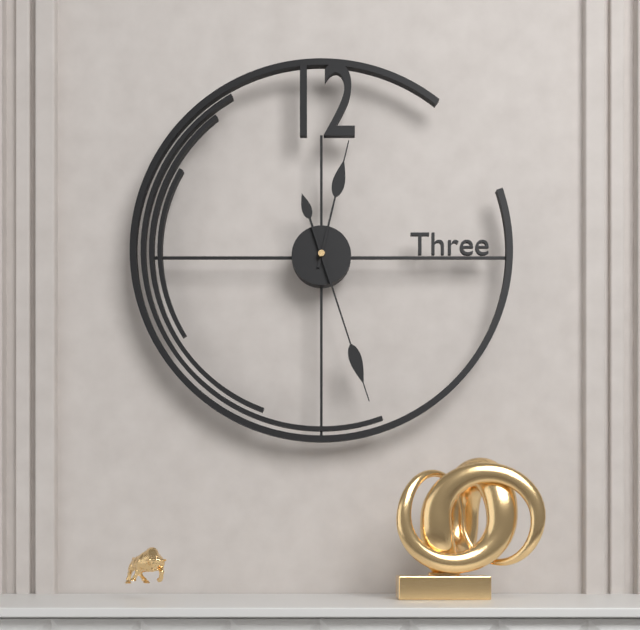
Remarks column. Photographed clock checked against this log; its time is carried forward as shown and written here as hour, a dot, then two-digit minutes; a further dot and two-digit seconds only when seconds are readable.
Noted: 12.27
